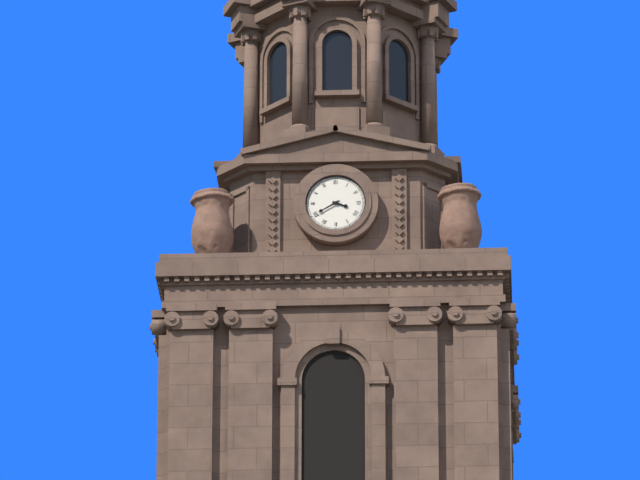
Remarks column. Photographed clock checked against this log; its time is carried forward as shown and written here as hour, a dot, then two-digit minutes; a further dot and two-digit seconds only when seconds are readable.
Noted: 3.40
